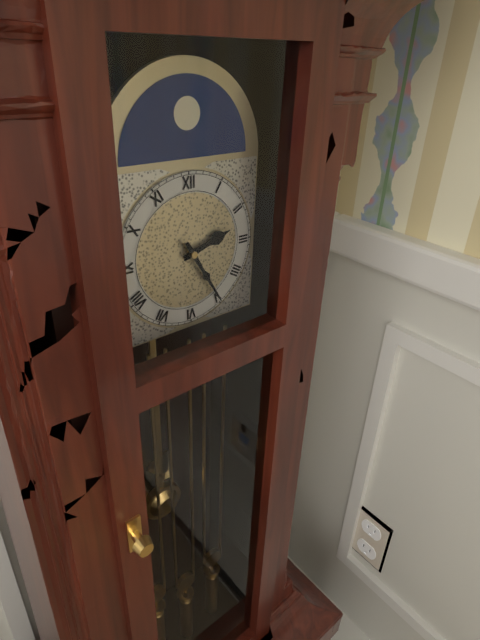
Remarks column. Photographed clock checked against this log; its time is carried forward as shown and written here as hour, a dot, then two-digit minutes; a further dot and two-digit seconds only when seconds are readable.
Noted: 2.25
